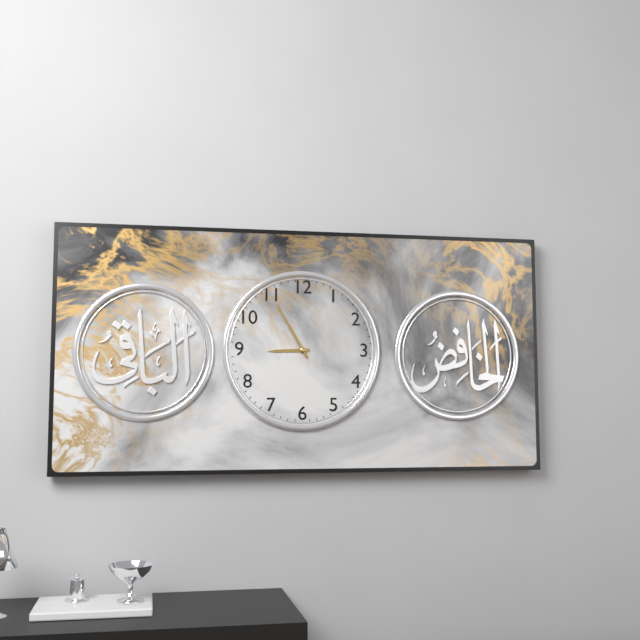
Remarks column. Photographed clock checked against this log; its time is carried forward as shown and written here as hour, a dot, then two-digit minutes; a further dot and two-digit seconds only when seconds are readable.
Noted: 8.55
